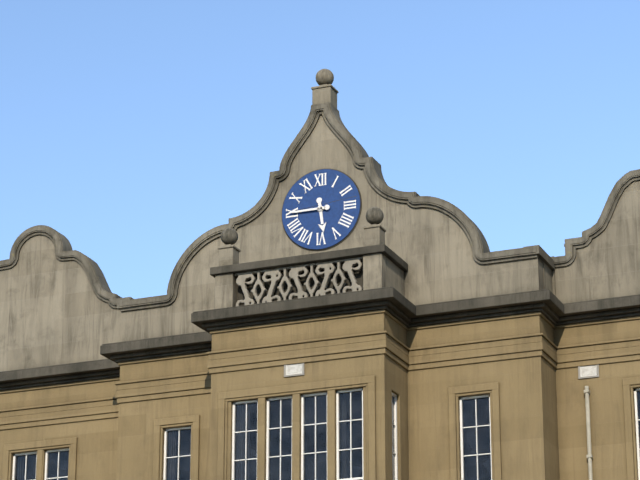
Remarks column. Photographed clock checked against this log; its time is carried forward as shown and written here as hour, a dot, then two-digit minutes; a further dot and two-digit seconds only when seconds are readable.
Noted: 5.45
